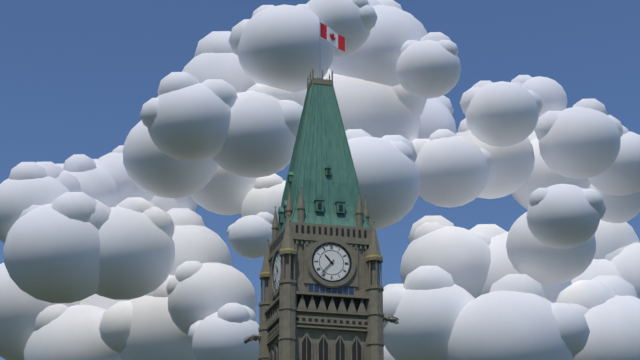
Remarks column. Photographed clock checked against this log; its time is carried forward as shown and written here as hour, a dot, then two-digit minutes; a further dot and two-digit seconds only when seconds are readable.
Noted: 10.37
